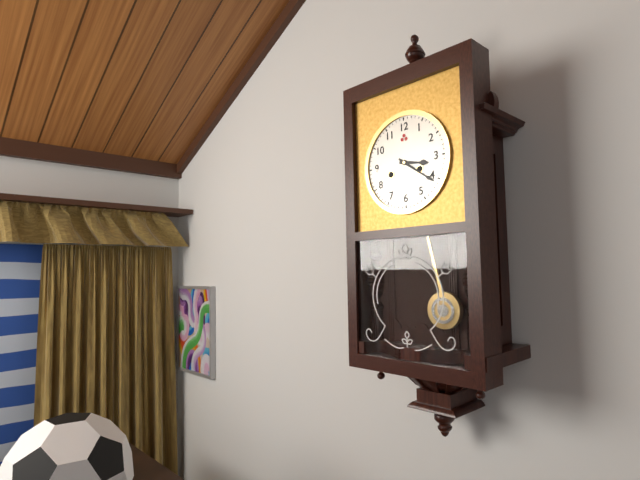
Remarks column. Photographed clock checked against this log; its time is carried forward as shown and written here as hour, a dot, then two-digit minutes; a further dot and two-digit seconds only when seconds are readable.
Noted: 3.21
